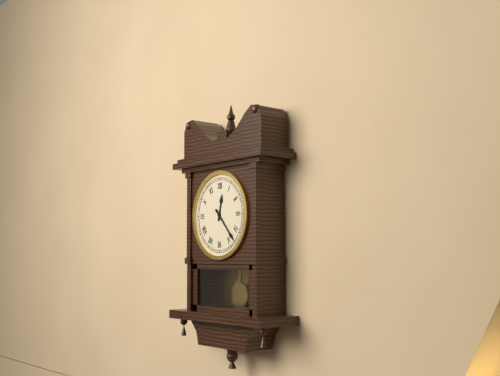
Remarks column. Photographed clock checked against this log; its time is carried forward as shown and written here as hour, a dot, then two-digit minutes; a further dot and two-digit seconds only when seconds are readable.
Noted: 12.23
